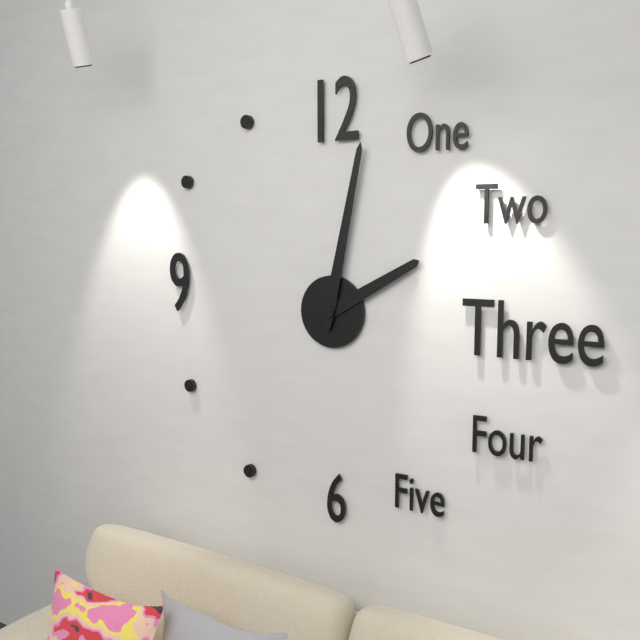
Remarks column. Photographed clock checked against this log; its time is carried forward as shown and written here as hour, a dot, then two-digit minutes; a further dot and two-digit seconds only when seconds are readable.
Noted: 2.02
